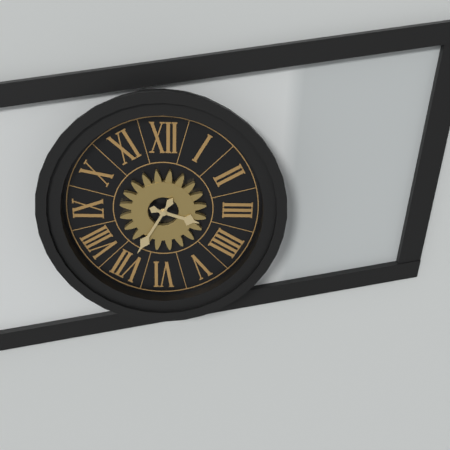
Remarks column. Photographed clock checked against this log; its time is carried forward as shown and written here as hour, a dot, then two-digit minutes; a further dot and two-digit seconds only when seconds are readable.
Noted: 3.35
